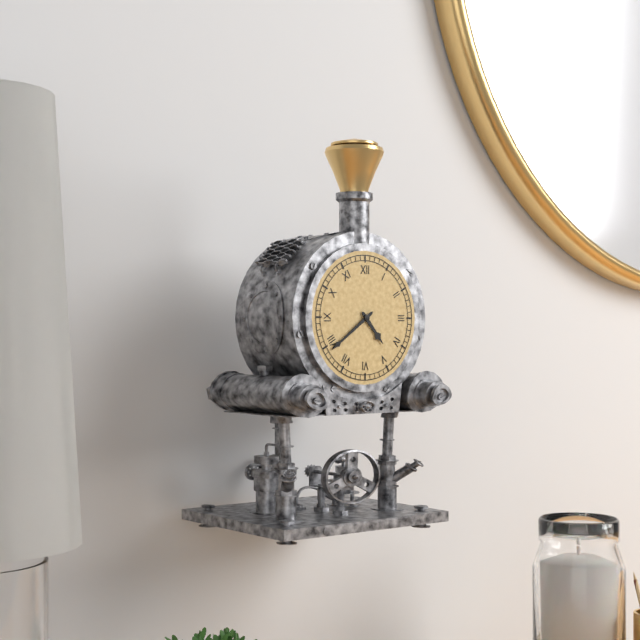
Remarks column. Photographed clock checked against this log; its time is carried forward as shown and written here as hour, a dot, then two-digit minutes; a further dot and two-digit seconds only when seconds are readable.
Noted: 4.39
